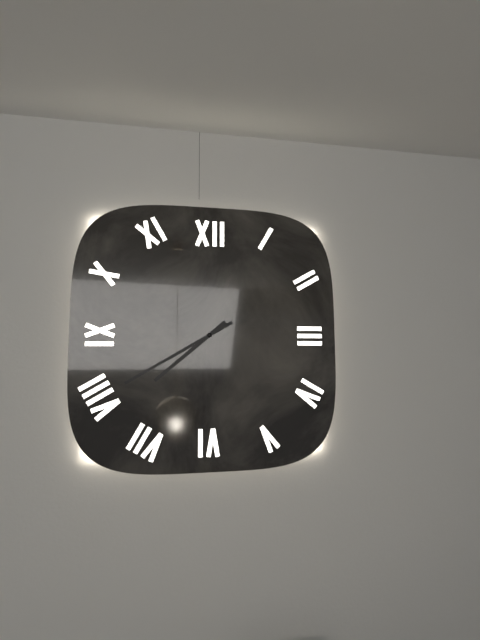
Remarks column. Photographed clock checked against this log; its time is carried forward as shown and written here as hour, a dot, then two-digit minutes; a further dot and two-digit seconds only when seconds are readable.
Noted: 7.40
